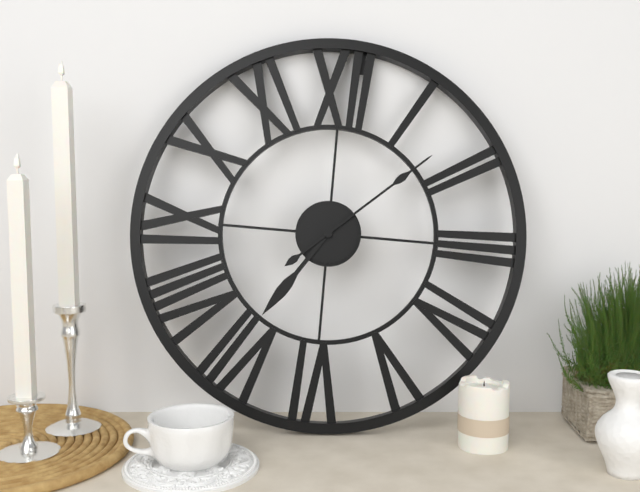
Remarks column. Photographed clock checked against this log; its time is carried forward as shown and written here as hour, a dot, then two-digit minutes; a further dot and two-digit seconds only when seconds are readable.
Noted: 7.08
